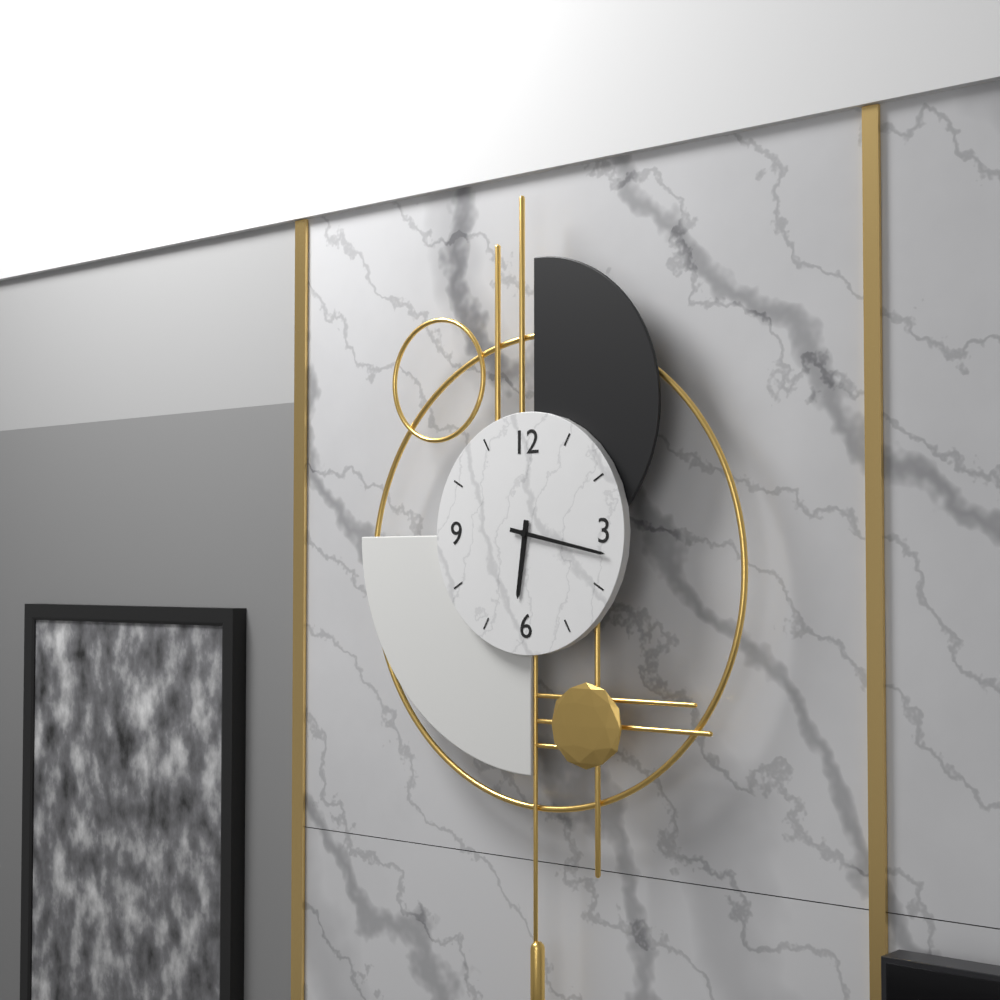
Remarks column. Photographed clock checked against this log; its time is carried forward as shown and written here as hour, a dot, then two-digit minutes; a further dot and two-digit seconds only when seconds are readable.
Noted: 6.17
